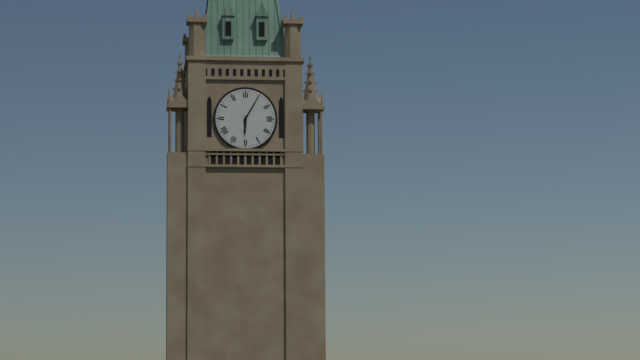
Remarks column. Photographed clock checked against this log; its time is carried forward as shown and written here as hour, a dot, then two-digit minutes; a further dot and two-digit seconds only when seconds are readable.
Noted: 6.05
